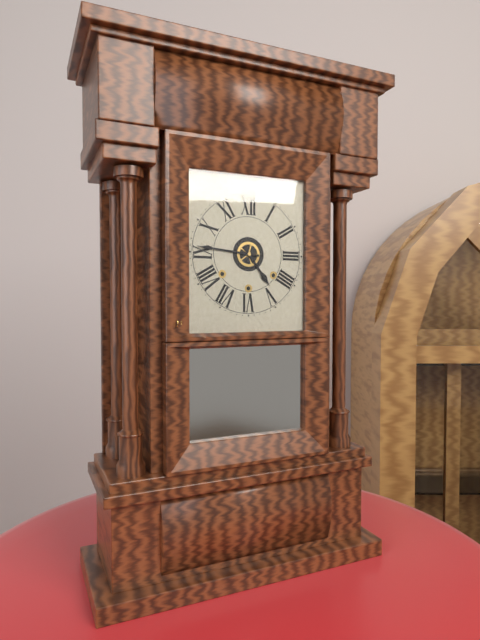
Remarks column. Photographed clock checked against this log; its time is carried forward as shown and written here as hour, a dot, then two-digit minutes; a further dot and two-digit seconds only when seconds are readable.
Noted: 4.46
